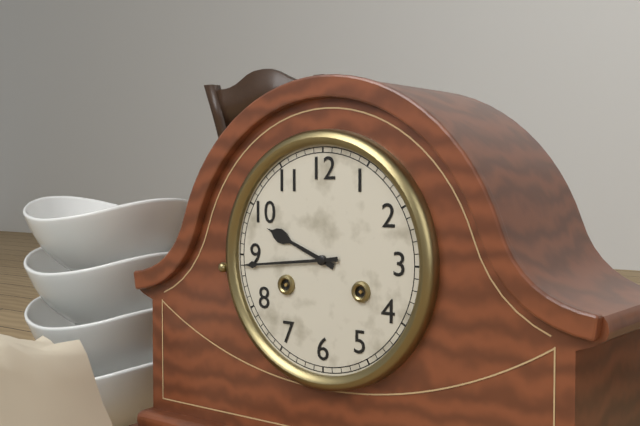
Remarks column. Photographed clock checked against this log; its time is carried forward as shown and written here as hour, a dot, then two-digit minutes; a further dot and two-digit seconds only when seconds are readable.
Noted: 9.44
